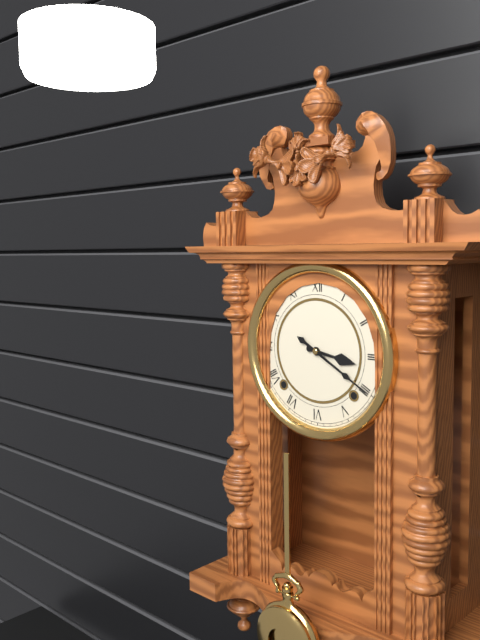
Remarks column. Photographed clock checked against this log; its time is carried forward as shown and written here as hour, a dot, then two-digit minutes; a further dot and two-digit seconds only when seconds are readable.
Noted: 3.20
